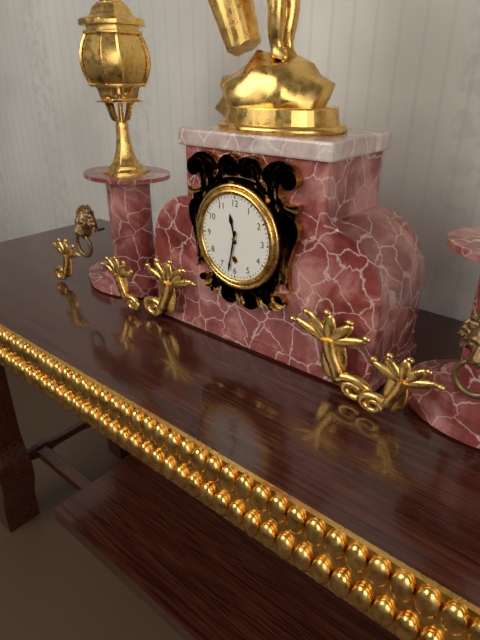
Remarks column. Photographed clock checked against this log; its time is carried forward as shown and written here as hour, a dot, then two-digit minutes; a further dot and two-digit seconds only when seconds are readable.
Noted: 11.32
